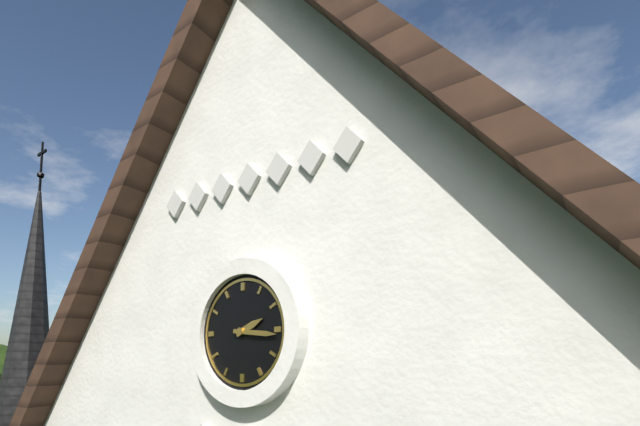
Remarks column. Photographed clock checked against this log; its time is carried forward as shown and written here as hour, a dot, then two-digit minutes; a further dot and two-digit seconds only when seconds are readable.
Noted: 2.16
